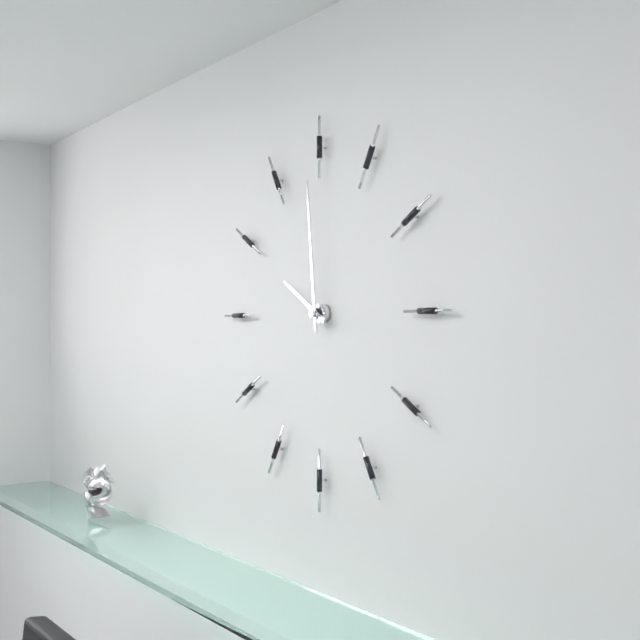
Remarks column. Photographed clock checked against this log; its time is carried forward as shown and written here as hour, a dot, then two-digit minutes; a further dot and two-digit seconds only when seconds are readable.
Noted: 9.59
